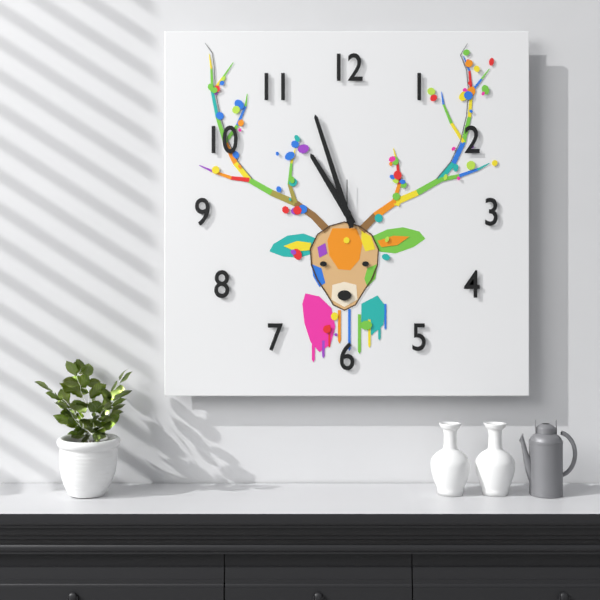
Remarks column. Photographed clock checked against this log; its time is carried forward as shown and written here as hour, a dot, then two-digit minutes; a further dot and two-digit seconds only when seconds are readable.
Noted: 10.57
